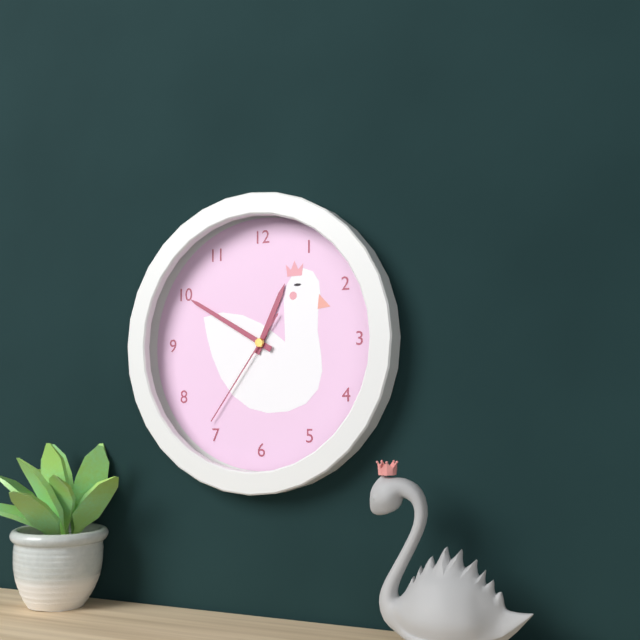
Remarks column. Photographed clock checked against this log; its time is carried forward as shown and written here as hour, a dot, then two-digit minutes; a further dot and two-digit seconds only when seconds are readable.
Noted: 12.50.36
